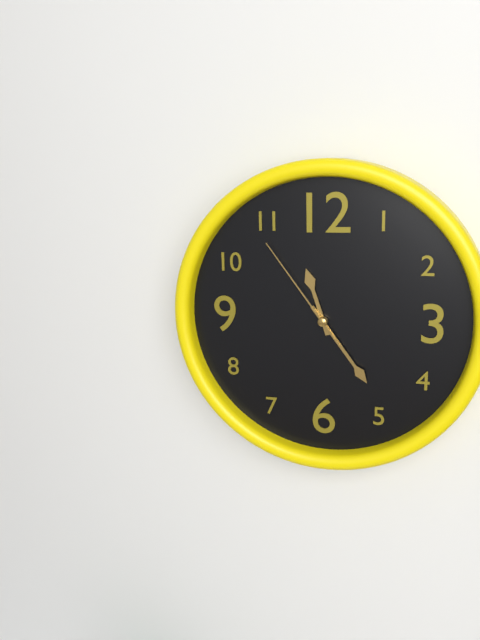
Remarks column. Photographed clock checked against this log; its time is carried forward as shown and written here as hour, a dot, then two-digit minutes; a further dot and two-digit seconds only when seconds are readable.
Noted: 11.24.54
